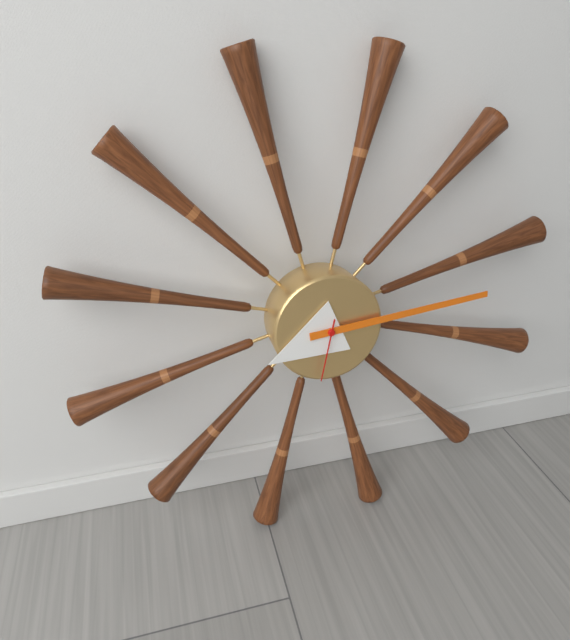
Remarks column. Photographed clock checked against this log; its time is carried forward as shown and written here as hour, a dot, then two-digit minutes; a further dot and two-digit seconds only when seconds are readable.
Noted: 8.14.32
